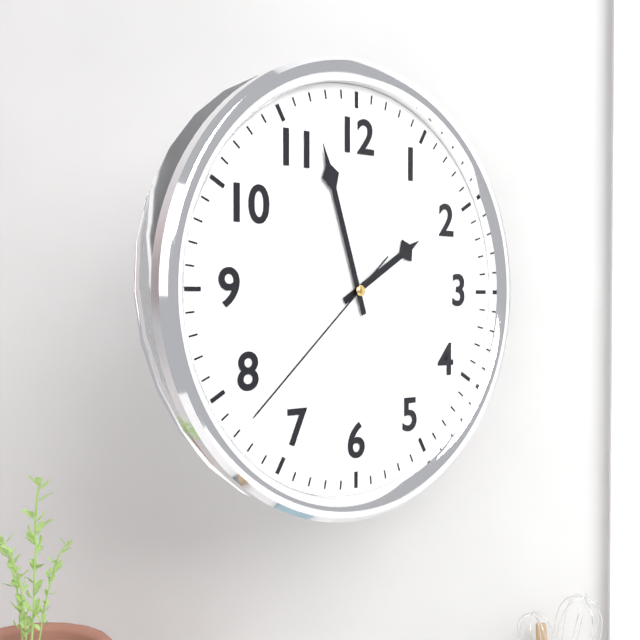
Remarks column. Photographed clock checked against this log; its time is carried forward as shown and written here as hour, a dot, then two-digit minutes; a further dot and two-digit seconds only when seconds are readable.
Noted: 1.57.38
